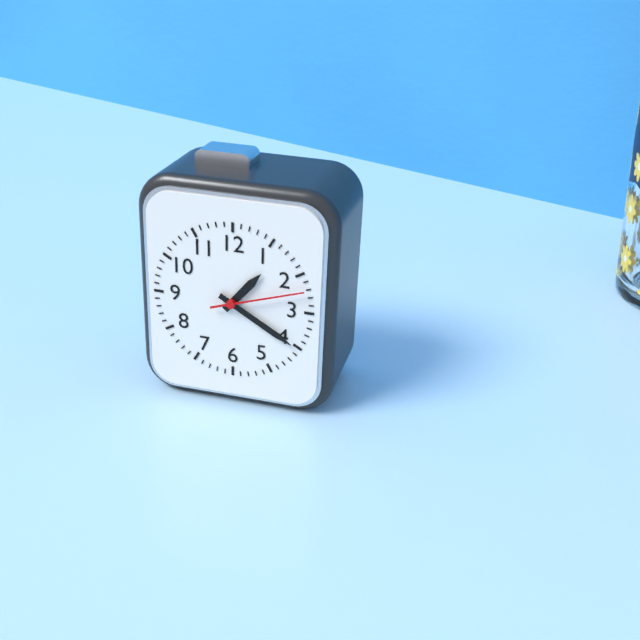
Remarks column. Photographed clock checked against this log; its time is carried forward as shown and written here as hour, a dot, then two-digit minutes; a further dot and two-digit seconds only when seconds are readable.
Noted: 1.20.12
